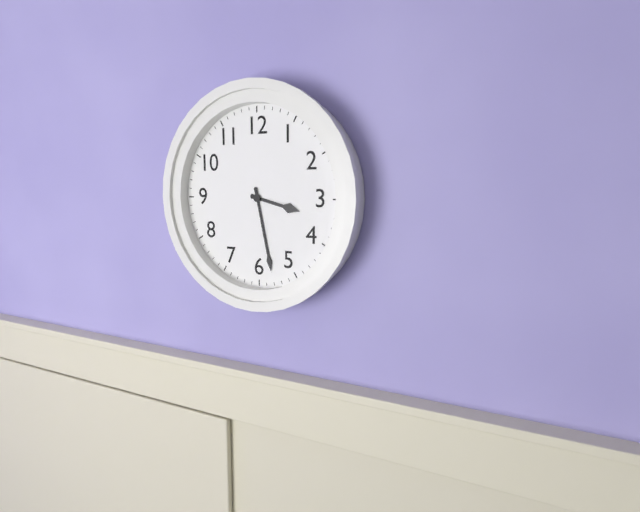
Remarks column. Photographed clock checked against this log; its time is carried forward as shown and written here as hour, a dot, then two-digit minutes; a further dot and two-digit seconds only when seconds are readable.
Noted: 3.28
